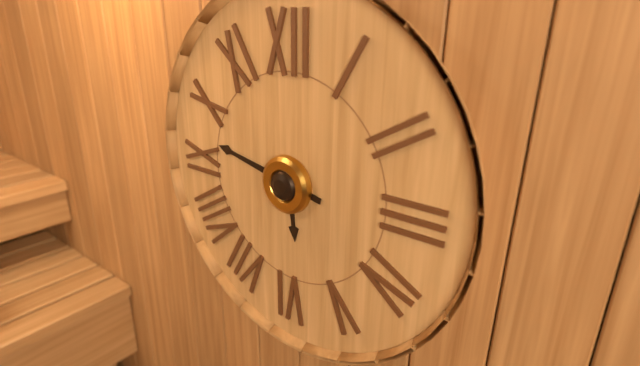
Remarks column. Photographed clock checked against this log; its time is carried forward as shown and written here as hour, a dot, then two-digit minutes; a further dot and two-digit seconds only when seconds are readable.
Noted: 5.47
